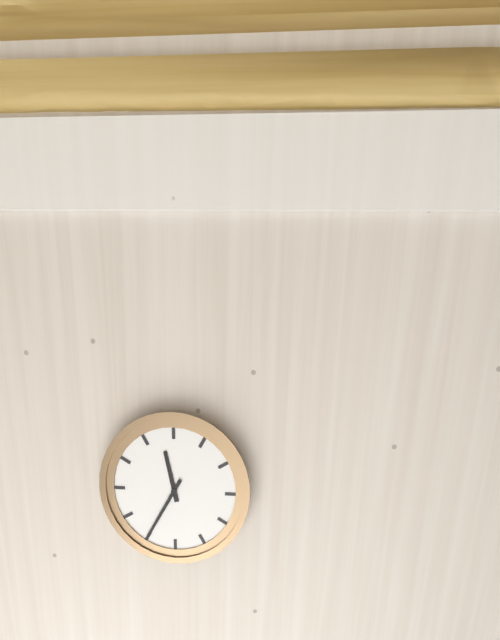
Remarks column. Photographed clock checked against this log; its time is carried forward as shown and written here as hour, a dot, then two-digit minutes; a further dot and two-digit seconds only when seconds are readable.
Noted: 11.35
